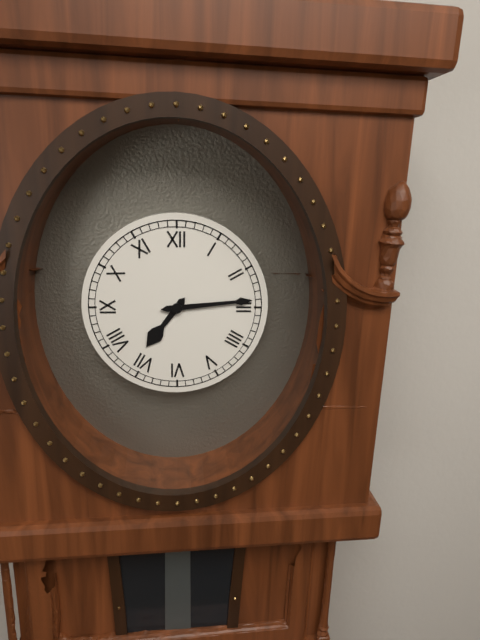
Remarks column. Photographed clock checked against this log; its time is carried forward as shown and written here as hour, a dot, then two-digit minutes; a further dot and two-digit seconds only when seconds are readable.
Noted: 7.14
